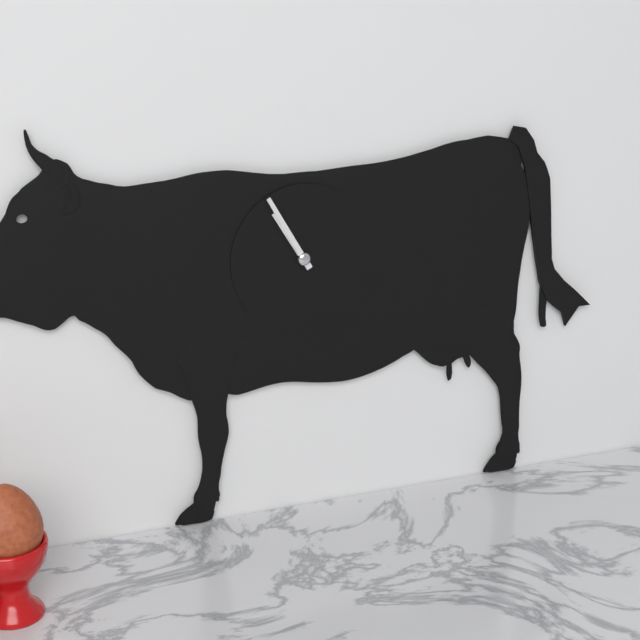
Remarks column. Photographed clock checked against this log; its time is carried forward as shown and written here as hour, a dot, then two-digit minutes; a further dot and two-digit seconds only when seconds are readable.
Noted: 10.55
